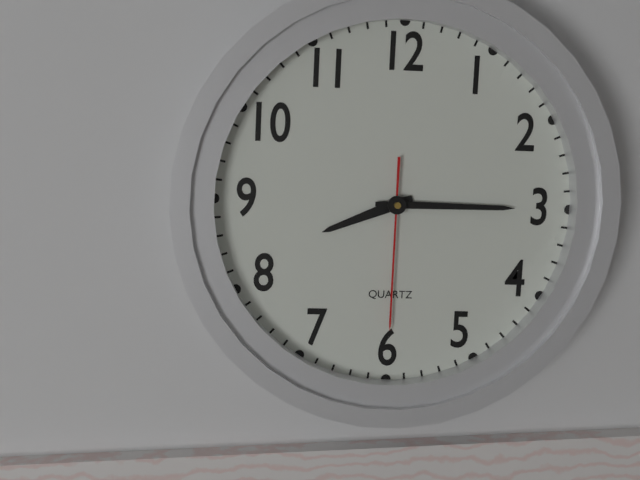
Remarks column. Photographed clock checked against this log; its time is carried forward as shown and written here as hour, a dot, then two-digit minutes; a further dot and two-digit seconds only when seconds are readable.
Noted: 8.15.30
